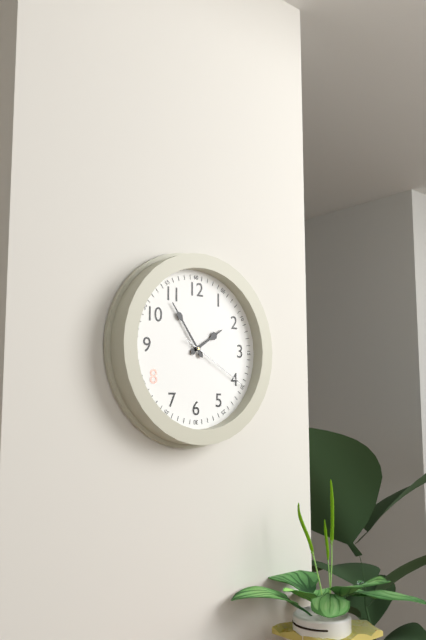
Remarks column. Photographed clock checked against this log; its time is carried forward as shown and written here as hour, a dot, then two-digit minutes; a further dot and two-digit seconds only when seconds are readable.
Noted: 1.54.20
